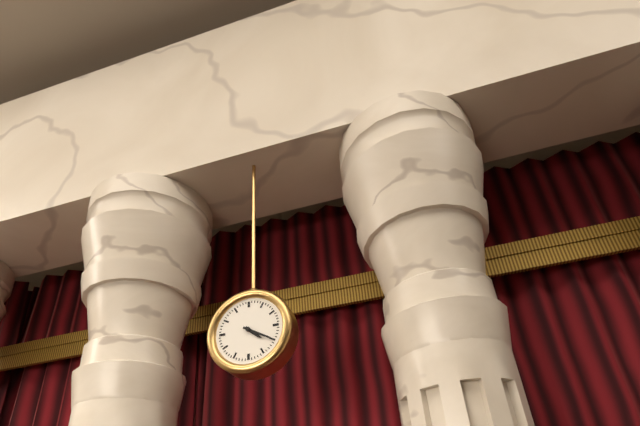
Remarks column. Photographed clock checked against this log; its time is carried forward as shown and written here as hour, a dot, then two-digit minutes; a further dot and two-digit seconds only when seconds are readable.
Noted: 4.20
